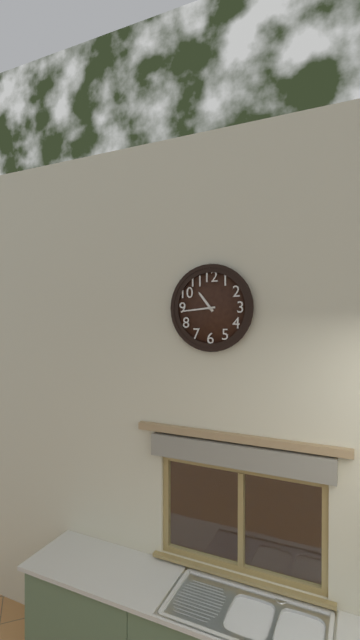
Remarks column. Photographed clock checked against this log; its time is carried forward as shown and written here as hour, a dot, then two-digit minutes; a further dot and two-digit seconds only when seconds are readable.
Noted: 10.44
